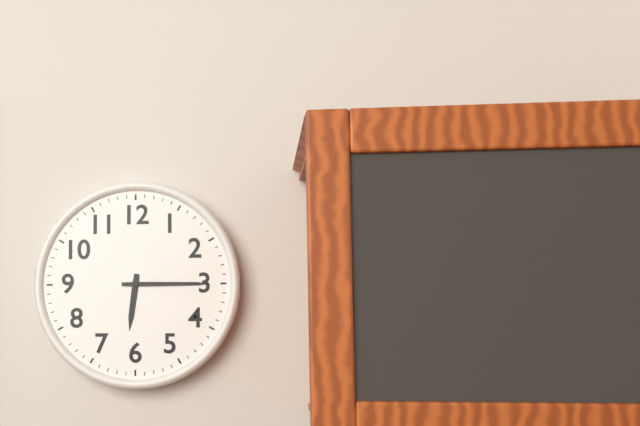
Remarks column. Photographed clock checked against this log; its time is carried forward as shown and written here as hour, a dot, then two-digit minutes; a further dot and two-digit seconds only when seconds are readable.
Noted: 6.15
